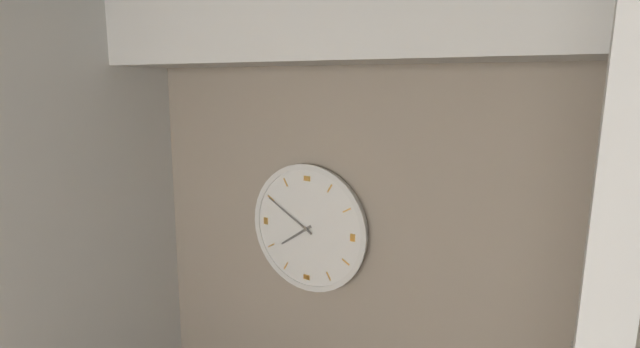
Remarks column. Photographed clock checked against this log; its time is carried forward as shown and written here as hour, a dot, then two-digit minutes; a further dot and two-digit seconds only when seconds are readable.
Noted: 7.50
